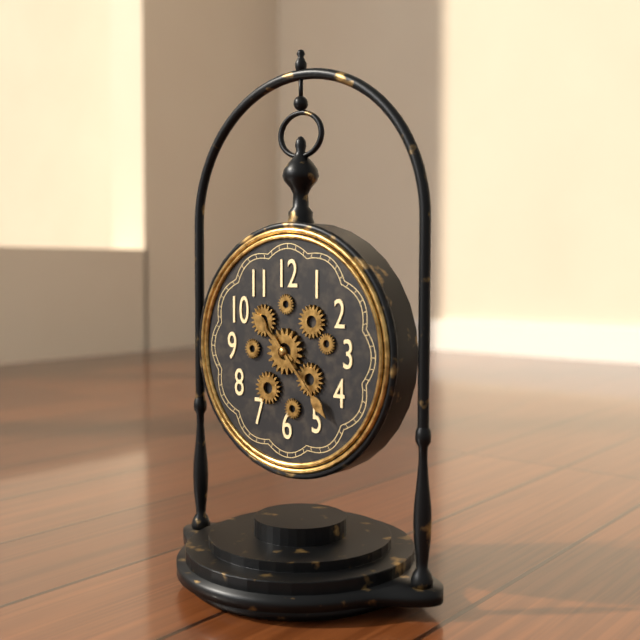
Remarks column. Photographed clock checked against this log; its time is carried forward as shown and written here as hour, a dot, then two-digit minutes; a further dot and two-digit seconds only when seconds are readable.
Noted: 10.23
